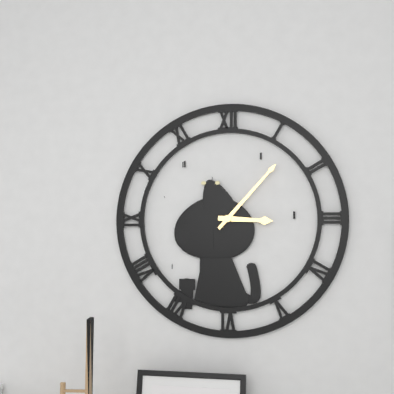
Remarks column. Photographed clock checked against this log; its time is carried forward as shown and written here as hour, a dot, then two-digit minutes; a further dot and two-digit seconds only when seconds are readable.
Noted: 3.07
